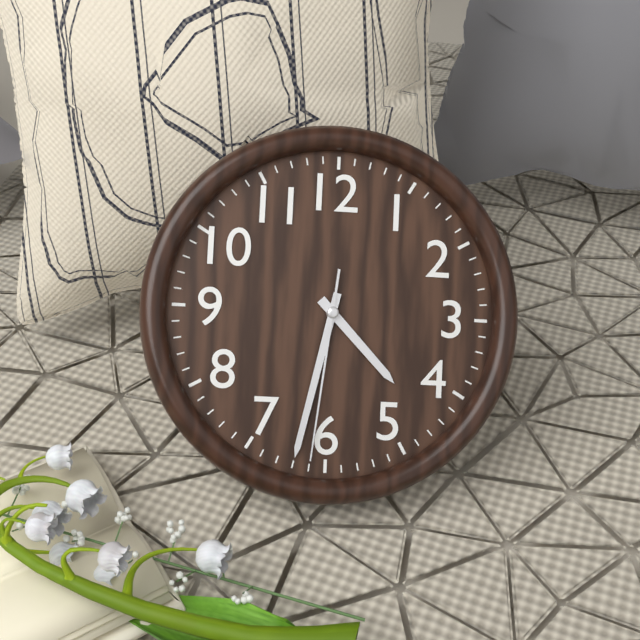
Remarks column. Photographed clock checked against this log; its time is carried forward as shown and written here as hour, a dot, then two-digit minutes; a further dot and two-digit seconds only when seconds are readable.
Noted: 4.32.31
